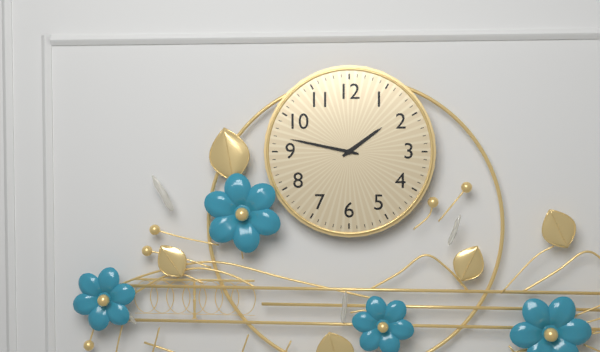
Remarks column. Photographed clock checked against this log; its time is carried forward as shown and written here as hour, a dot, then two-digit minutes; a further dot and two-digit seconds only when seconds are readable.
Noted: 1.47
